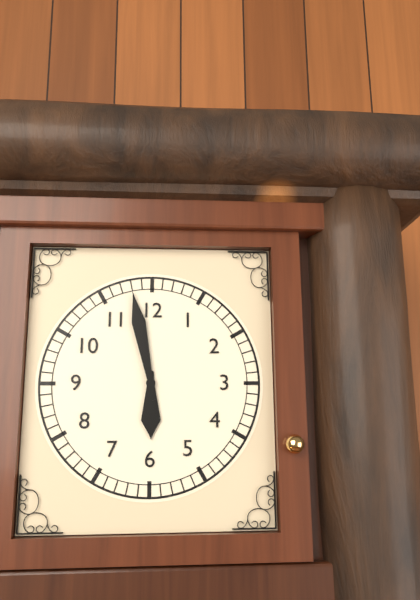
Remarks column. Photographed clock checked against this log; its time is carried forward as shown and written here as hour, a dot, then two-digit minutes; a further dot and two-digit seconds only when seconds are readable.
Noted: 5.58
